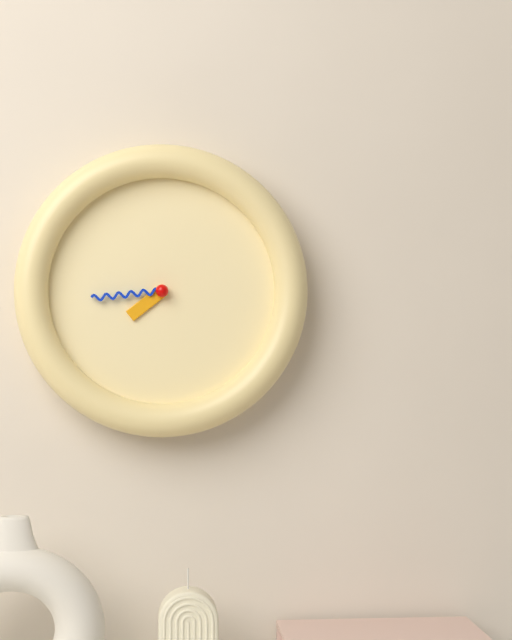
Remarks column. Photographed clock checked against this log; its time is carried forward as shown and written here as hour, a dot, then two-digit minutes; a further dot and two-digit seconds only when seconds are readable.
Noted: 7.44
